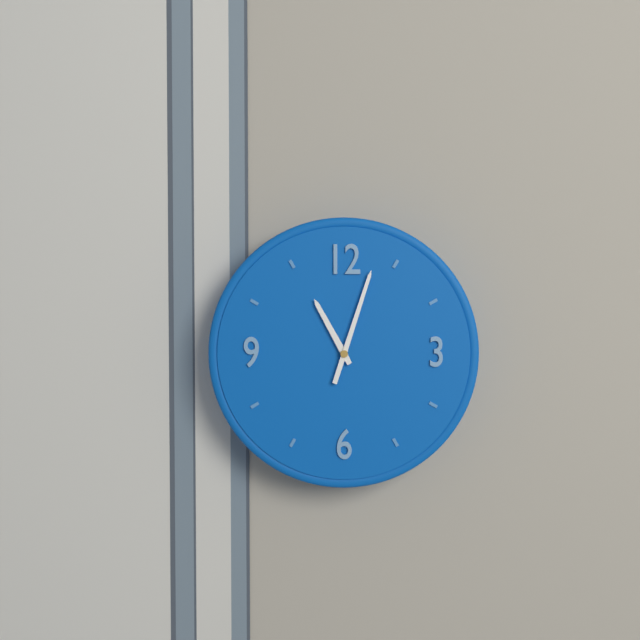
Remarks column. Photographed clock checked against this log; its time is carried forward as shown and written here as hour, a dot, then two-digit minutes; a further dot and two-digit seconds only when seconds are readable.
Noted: 11.03
